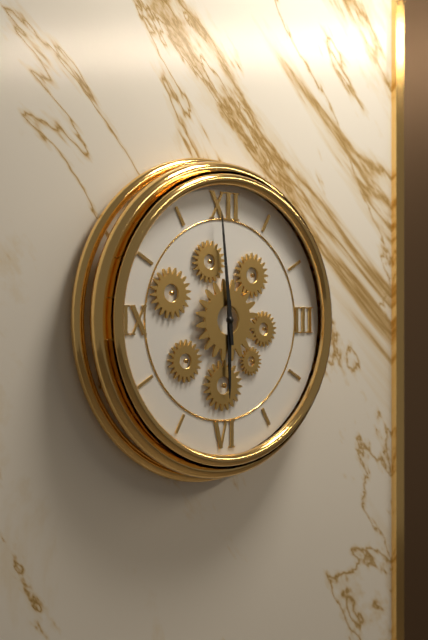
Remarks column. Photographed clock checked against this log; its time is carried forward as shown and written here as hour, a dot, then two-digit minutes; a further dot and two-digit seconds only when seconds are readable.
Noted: 5.59
